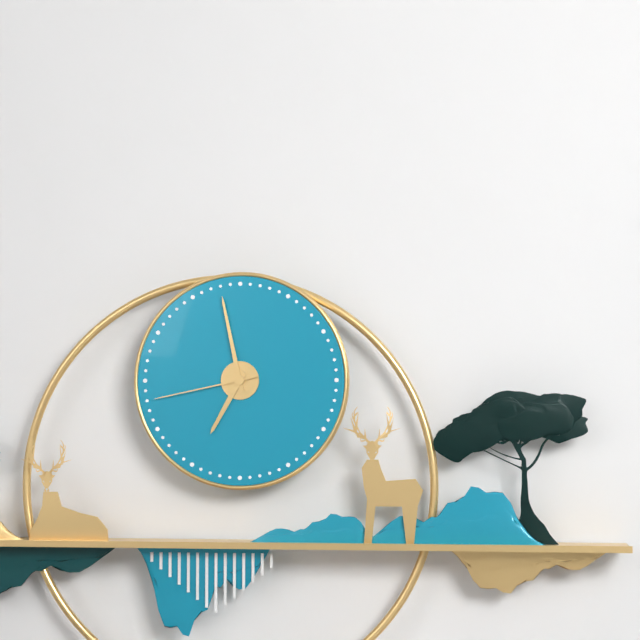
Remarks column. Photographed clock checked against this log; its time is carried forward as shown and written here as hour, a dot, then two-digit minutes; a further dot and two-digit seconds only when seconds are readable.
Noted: 6.58.43
